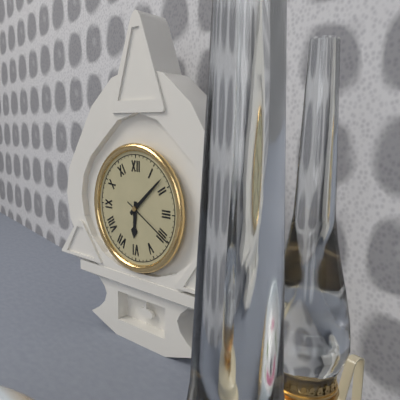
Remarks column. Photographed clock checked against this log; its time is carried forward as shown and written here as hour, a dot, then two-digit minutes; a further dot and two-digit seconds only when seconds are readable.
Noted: 6.08.20
